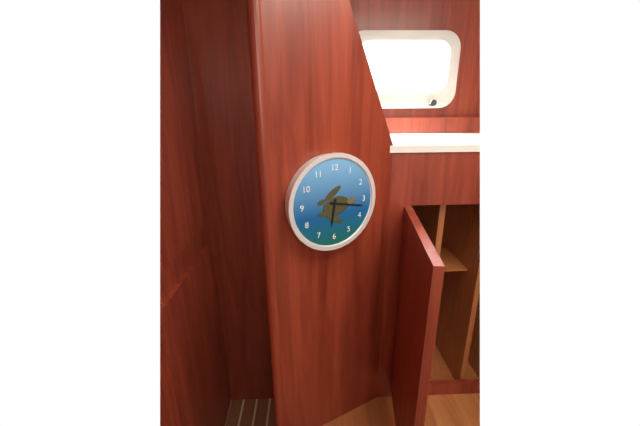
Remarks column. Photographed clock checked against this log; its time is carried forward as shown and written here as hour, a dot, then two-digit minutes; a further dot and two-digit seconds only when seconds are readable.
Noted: 6.17
